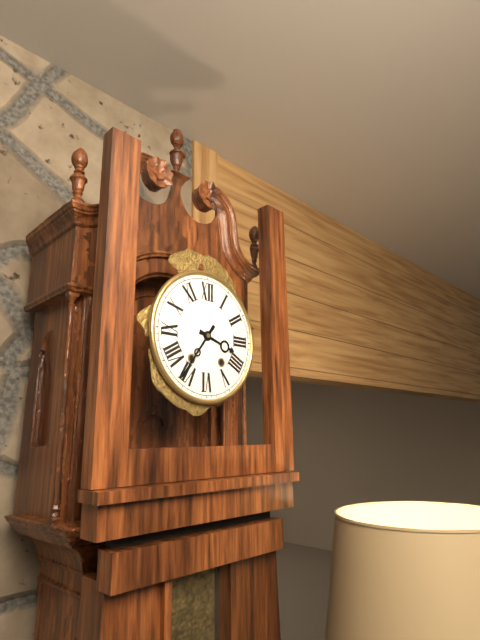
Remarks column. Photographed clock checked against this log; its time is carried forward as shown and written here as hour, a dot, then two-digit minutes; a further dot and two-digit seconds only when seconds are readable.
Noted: 3.36
